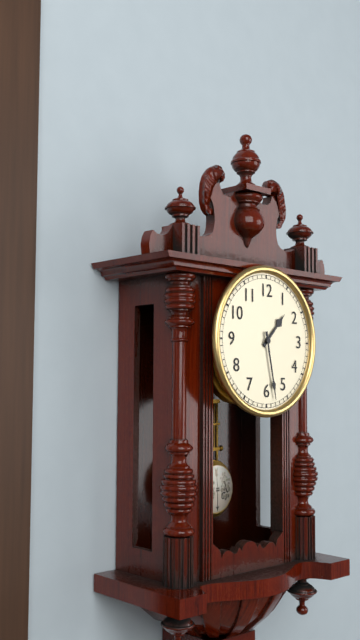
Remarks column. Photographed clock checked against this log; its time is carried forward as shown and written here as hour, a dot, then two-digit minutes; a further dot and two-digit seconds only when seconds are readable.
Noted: 1.28
